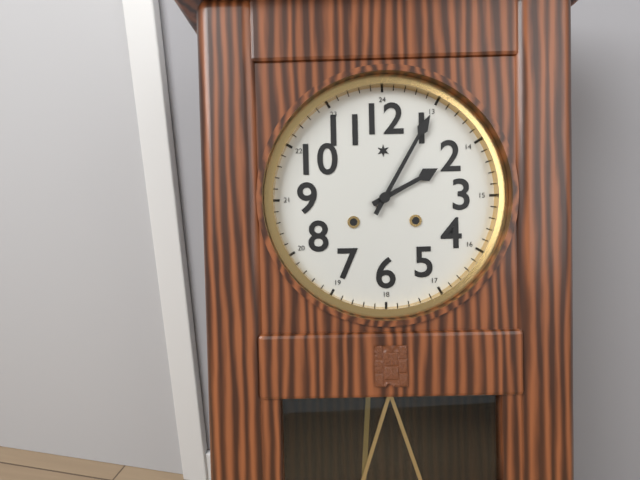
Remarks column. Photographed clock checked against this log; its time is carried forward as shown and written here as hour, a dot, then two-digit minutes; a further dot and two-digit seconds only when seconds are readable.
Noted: 2.05
